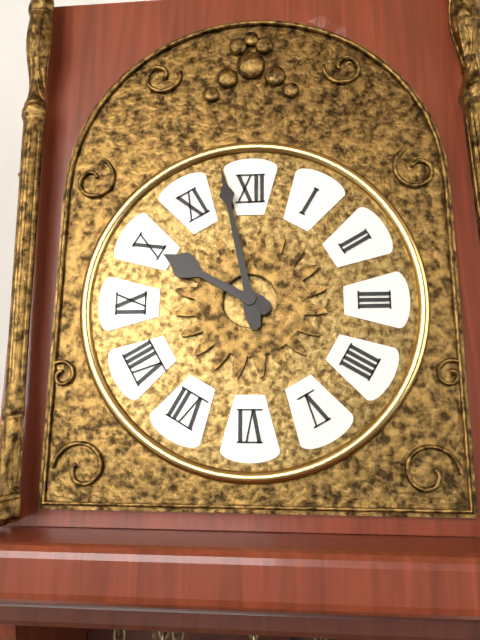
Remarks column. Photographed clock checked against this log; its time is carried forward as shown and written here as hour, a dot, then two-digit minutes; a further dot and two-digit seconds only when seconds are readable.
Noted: 9.58
